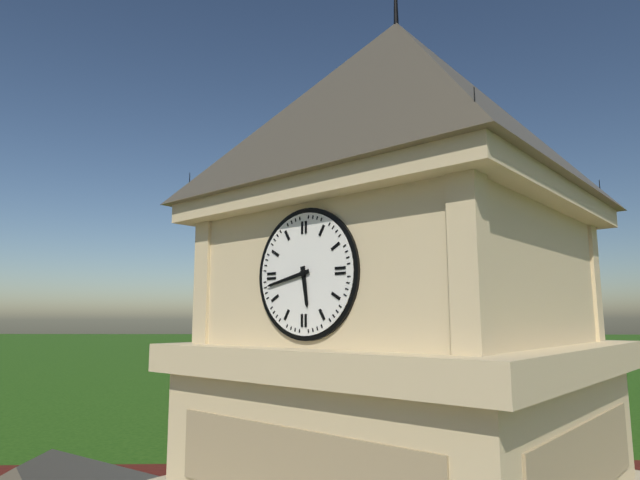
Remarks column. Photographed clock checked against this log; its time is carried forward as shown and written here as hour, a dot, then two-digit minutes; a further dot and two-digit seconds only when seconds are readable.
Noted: 5.43
